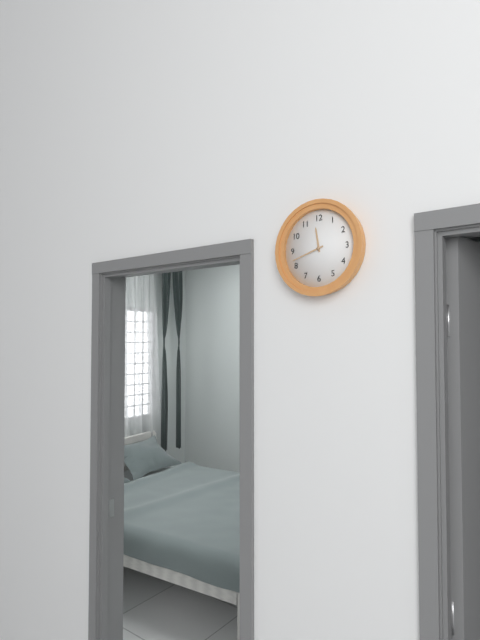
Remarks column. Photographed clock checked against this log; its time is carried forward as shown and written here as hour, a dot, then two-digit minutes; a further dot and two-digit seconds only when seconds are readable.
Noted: 11.42
